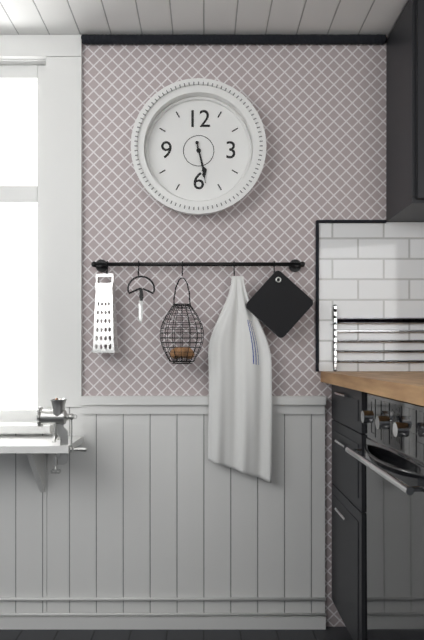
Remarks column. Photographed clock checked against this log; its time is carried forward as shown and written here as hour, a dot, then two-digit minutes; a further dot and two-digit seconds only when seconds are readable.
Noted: 5.28
